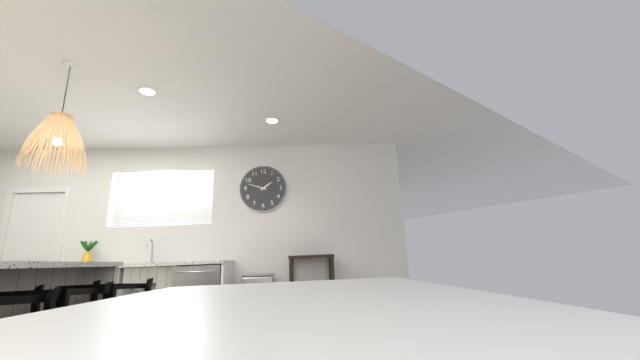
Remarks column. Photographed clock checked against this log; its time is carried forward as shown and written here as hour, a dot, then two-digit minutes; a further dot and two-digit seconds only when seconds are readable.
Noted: 1.48
